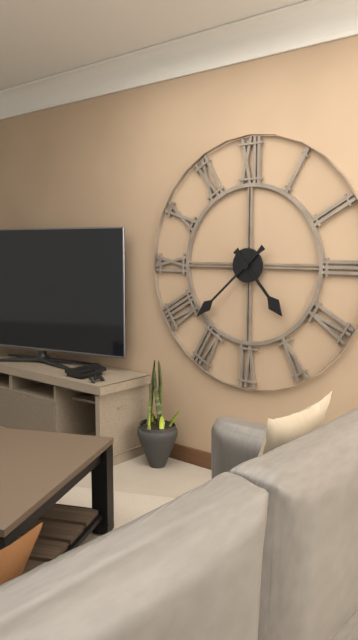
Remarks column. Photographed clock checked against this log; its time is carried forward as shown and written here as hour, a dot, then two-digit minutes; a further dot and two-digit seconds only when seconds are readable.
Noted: 4.38
